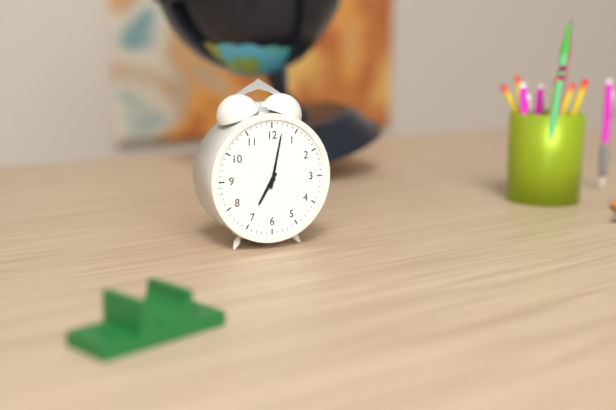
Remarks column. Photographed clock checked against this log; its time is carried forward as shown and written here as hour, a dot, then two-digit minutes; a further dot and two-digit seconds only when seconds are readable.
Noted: 7.02
